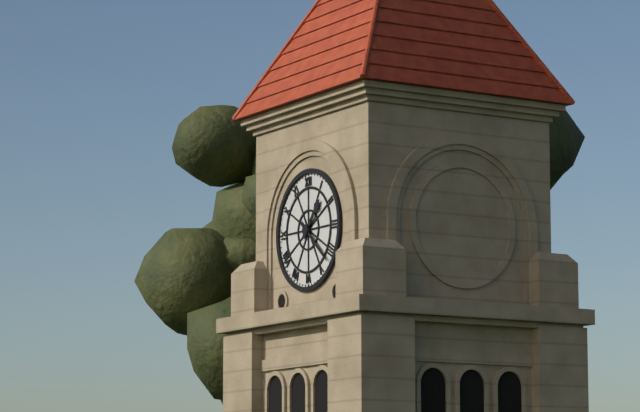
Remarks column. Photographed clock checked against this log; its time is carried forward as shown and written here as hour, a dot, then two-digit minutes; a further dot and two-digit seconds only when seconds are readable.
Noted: 1.22
